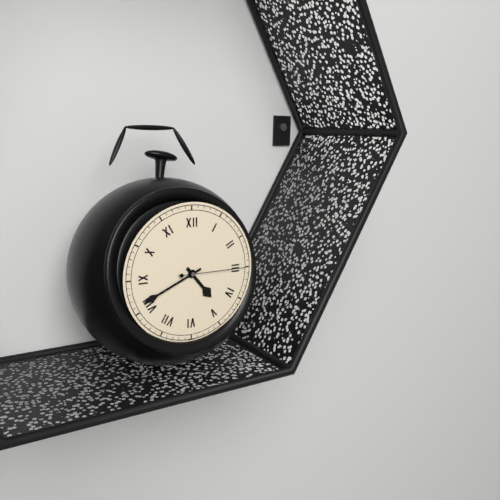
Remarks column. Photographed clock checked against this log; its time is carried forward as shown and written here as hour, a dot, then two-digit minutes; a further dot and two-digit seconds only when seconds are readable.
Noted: 4.41.15
